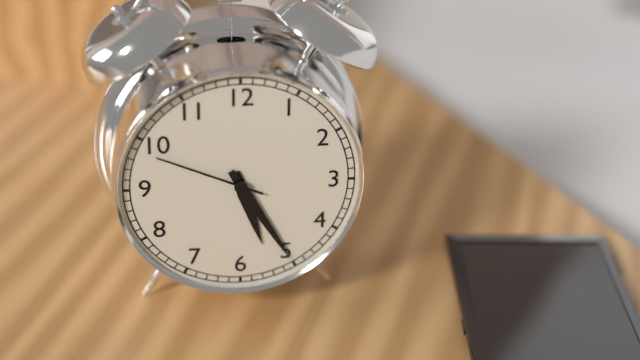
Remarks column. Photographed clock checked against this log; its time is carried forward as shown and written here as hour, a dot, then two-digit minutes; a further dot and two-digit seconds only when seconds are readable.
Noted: 5.25.49
